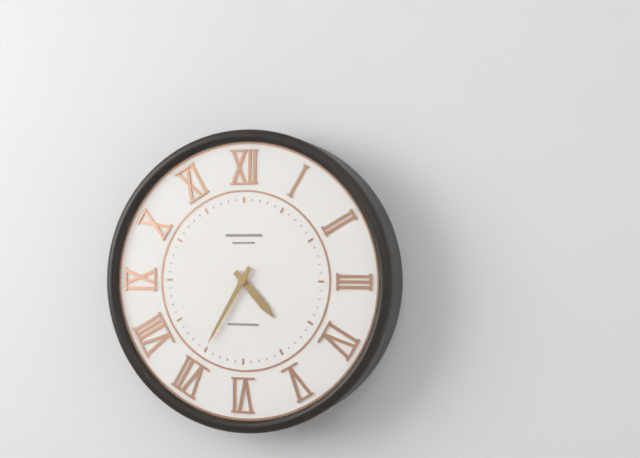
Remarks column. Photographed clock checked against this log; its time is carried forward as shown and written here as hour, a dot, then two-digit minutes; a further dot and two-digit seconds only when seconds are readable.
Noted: 4.35
